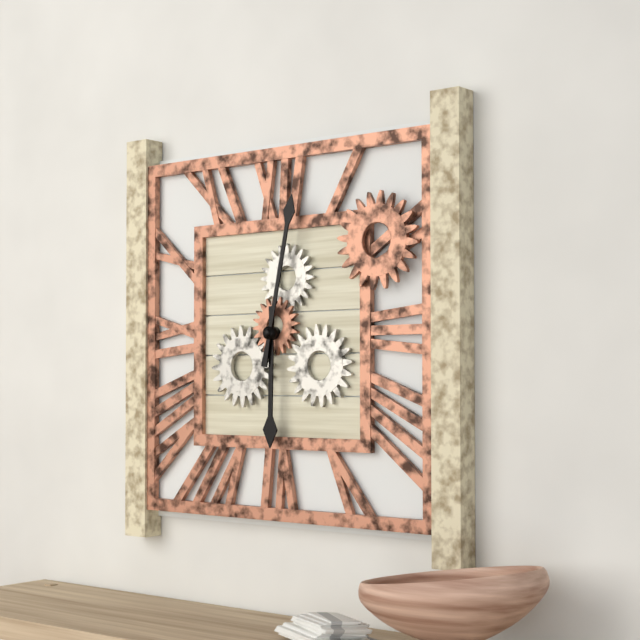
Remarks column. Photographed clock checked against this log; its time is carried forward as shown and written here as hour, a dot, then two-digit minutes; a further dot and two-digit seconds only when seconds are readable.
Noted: 6.02
